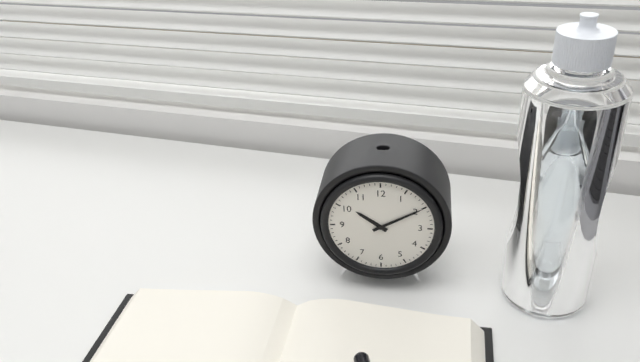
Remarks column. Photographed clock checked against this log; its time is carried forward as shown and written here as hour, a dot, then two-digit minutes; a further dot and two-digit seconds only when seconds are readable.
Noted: 10.10
